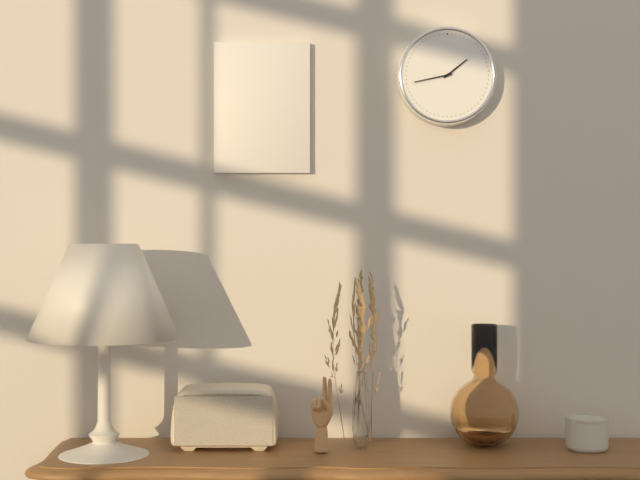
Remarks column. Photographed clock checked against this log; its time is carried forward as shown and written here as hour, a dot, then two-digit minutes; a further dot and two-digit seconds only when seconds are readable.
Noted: 1.43
